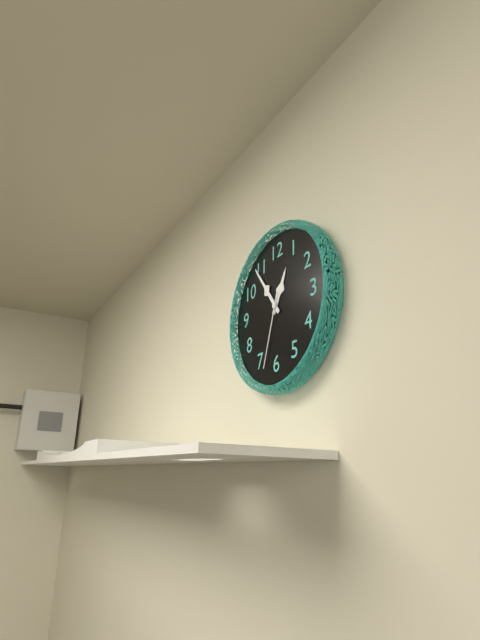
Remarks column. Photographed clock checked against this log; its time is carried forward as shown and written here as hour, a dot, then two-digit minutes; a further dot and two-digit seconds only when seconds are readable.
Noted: 12.54.33
